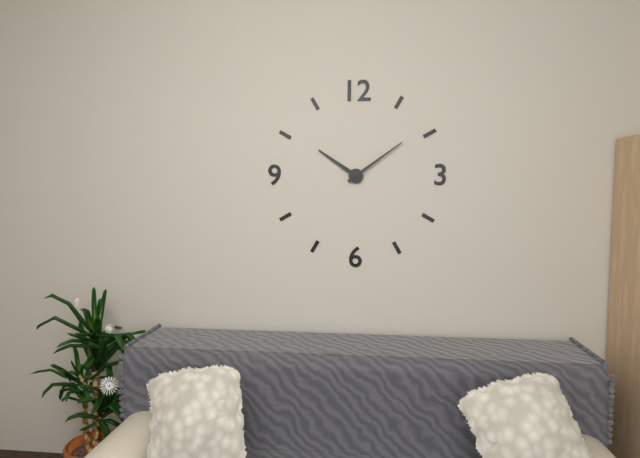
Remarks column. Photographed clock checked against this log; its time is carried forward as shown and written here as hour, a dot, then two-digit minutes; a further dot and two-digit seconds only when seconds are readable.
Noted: 10.09
